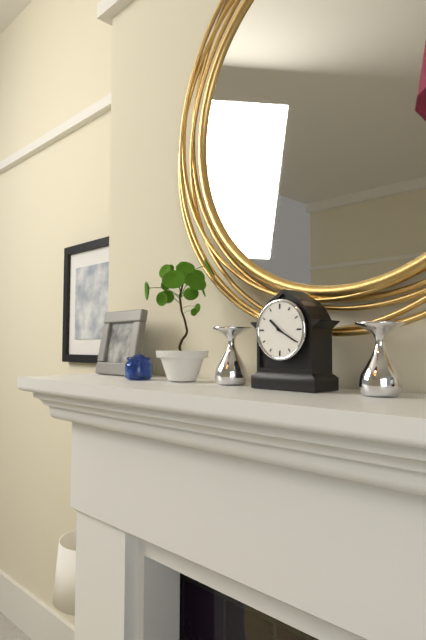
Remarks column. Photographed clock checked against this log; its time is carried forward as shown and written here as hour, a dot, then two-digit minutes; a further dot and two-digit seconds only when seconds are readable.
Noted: 10.20
